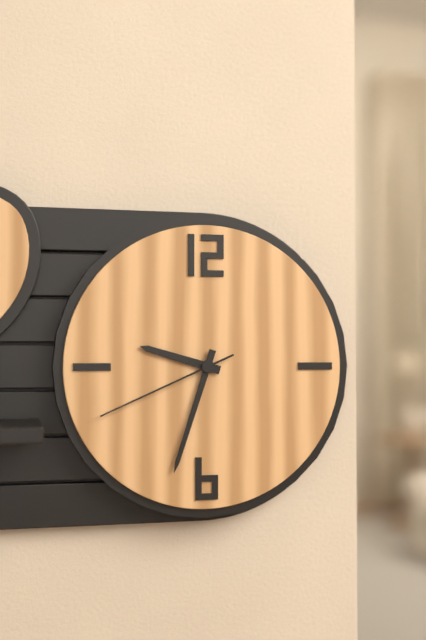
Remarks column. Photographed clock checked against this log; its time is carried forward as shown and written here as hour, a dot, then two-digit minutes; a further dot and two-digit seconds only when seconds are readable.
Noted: 9.33.41
